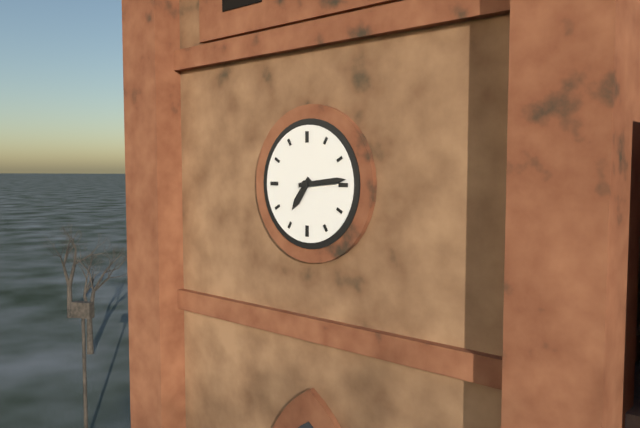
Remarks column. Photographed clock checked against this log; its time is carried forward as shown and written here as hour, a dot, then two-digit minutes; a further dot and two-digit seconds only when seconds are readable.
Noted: 7.14
